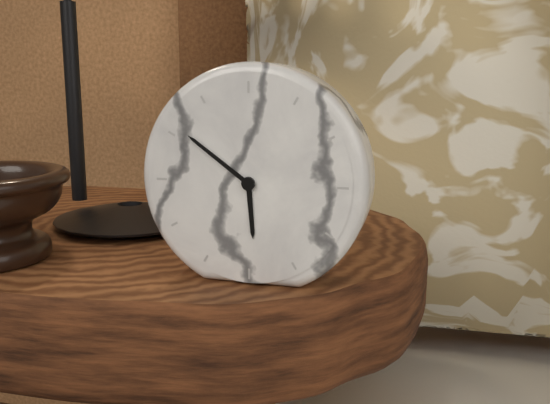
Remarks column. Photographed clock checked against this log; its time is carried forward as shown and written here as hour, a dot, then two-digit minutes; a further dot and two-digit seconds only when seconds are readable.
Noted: 5.51
